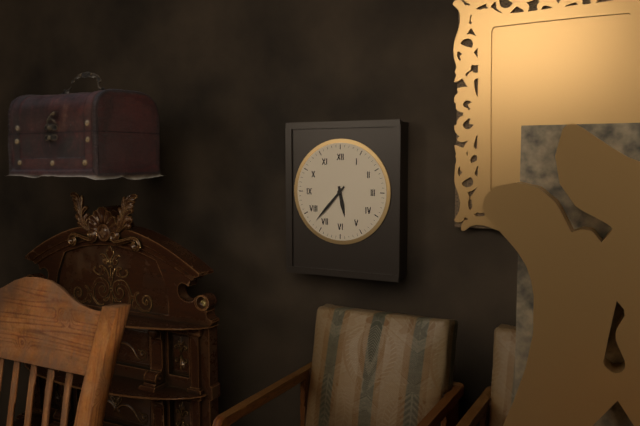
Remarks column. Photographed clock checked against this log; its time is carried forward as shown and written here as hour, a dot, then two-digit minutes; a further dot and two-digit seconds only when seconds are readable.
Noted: 5.37
